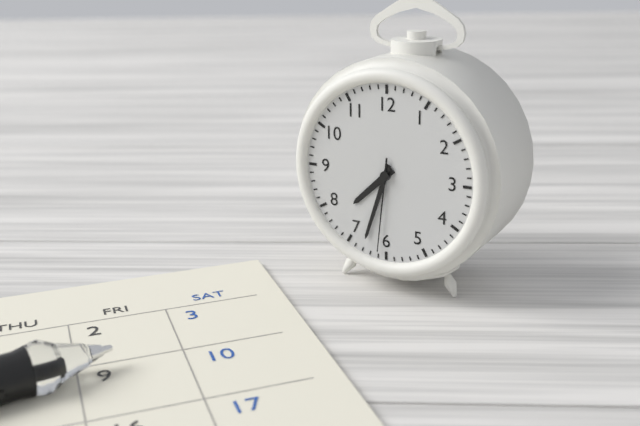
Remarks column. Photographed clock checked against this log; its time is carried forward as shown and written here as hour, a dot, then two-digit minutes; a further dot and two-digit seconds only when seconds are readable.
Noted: 7.33.31
